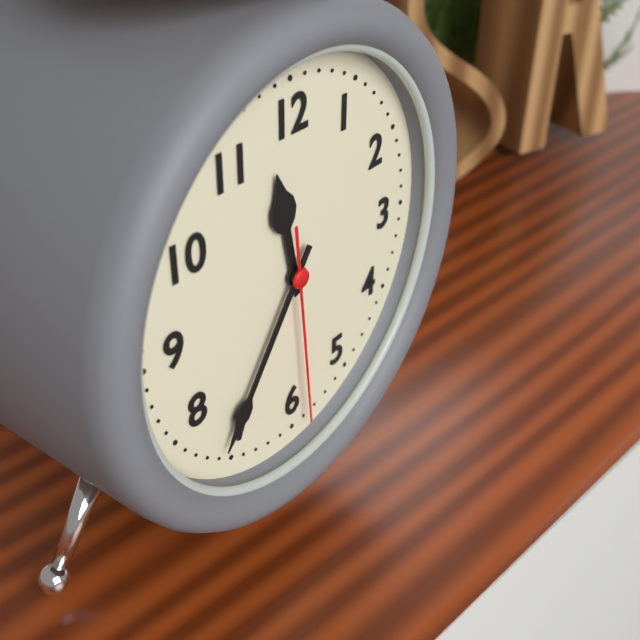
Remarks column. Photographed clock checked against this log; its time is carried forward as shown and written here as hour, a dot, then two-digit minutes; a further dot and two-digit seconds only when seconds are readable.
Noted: 11.36.29
